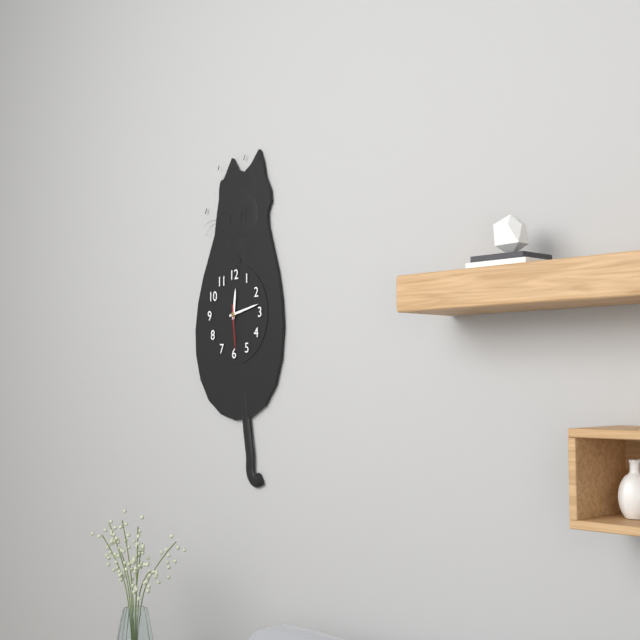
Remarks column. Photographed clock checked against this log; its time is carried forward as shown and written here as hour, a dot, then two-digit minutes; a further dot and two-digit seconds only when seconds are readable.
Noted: 12.13
